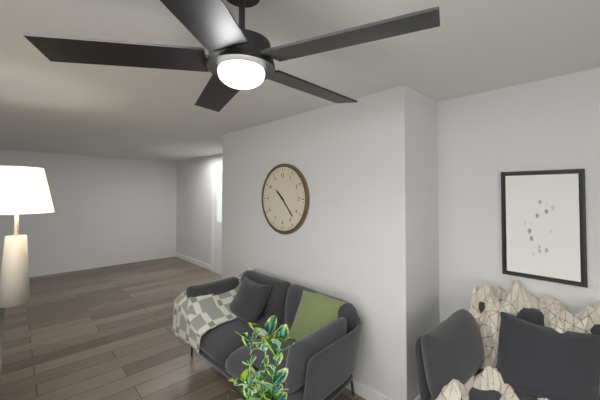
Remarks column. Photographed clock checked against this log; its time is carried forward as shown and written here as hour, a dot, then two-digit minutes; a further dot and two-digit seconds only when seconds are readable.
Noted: 10.23
